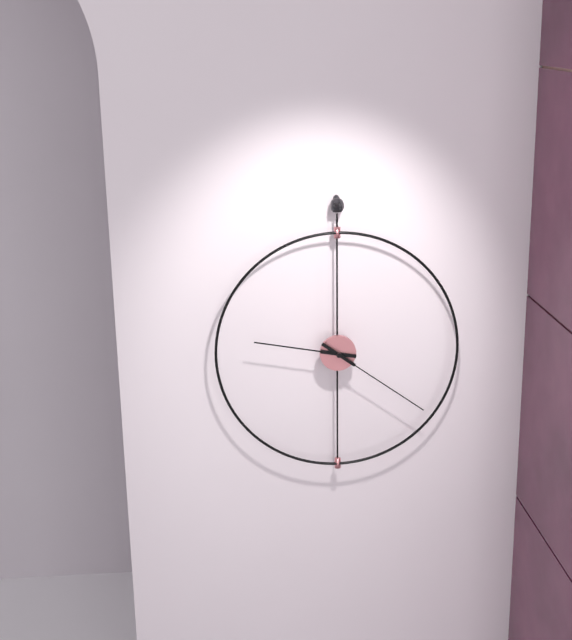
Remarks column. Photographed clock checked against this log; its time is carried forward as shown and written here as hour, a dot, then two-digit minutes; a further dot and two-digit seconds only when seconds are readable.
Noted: 9.21
